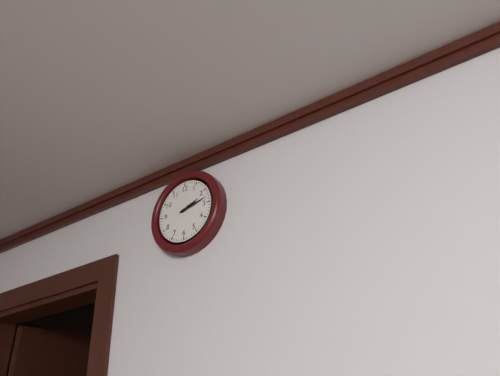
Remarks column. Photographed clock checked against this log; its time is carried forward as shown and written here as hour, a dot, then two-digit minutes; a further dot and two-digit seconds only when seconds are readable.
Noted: 2.13
